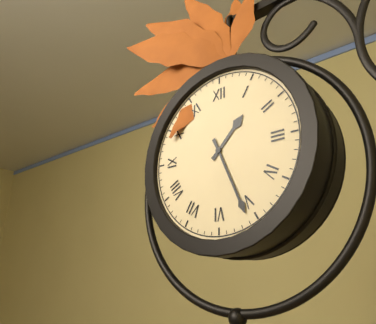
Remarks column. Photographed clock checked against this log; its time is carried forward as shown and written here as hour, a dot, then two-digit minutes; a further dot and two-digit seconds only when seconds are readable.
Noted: 1.26
